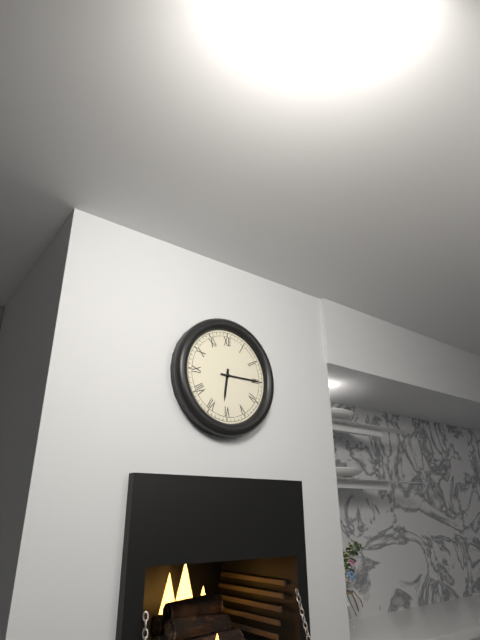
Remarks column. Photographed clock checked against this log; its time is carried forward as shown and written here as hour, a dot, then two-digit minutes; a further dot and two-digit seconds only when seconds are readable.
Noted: 6.15
